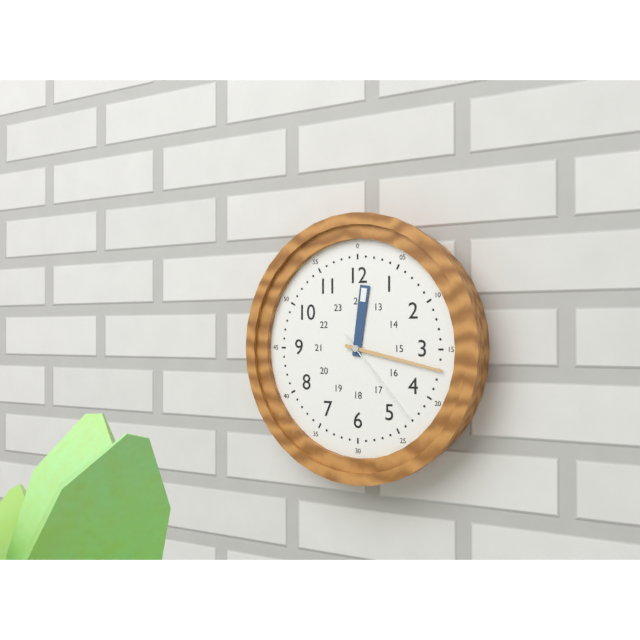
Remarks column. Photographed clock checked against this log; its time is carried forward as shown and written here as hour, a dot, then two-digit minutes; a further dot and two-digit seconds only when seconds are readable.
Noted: 12.17.23
